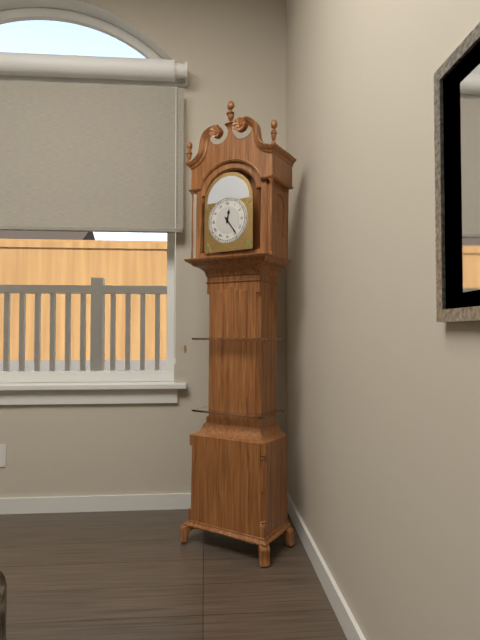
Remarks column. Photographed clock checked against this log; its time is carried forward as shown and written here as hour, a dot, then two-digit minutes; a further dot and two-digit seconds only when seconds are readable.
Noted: 12.24
